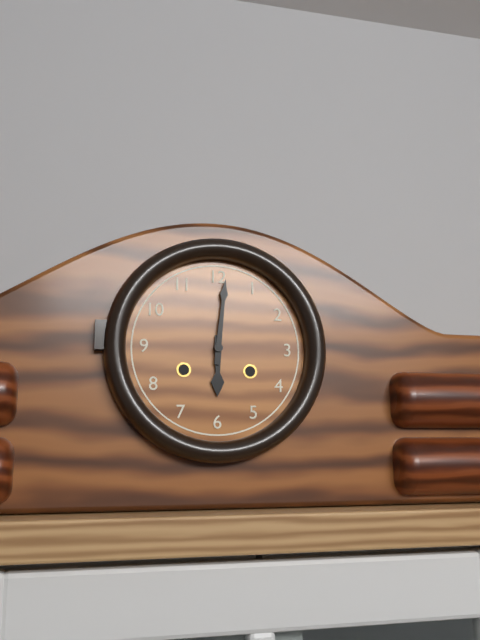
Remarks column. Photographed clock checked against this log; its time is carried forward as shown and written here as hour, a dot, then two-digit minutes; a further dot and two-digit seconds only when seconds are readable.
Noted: 6.01
